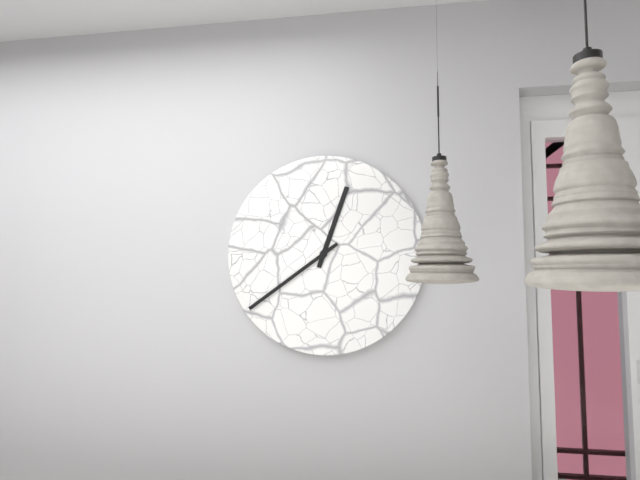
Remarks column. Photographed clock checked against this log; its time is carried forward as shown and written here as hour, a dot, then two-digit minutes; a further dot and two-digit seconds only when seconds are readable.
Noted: 12.39
